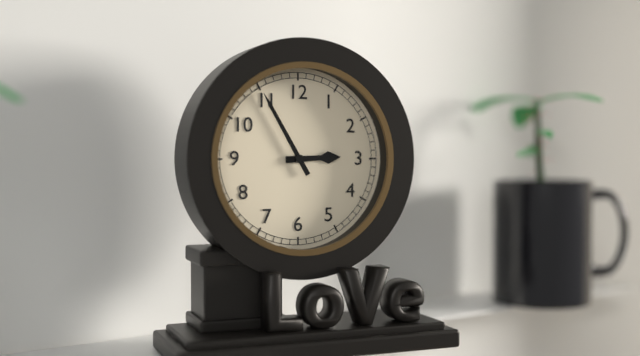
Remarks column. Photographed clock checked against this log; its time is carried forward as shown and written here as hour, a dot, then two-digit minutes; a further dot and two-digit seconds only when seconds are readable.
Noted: 2.55
